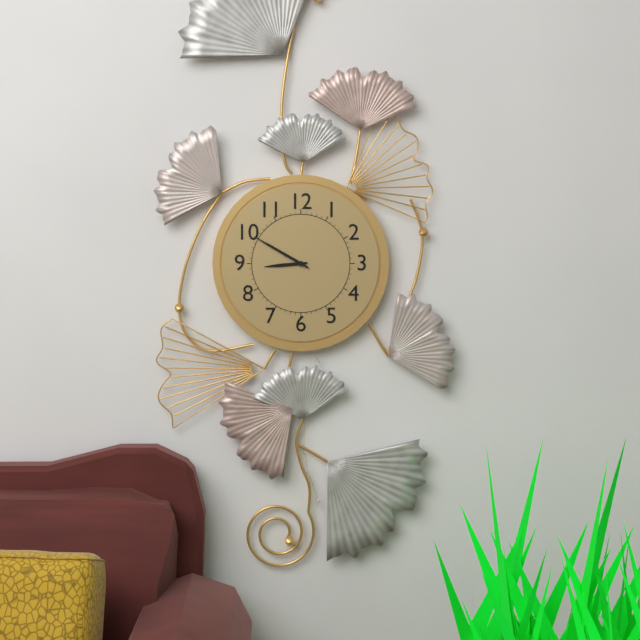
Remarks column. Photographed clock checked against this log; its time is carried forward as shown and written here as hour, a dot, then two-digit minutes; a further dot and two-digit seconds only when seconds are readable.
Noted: 8.50
